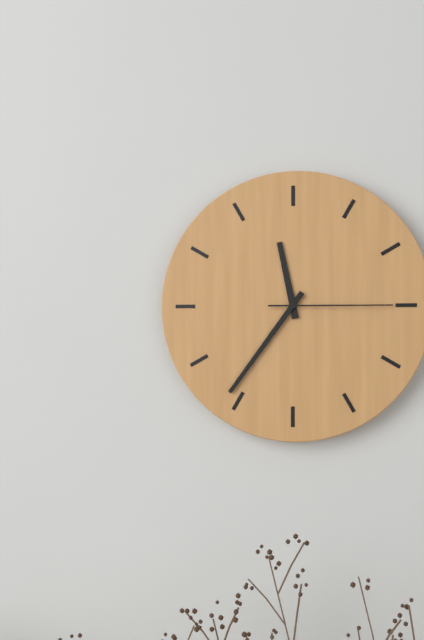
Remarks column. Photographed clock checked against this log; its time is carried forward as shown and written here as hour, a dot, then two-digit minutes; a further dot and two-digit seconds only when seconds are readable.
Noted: 11.36.15
